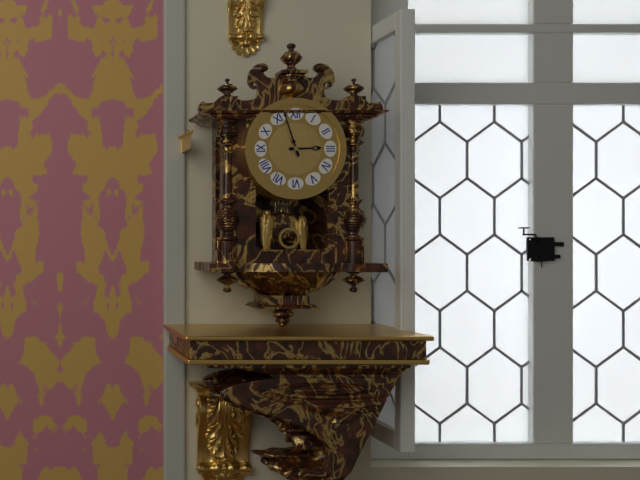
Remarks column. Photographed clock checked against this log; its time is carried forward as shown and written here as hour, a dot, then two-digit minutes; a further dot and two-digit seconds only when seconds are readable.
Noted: 2.57
